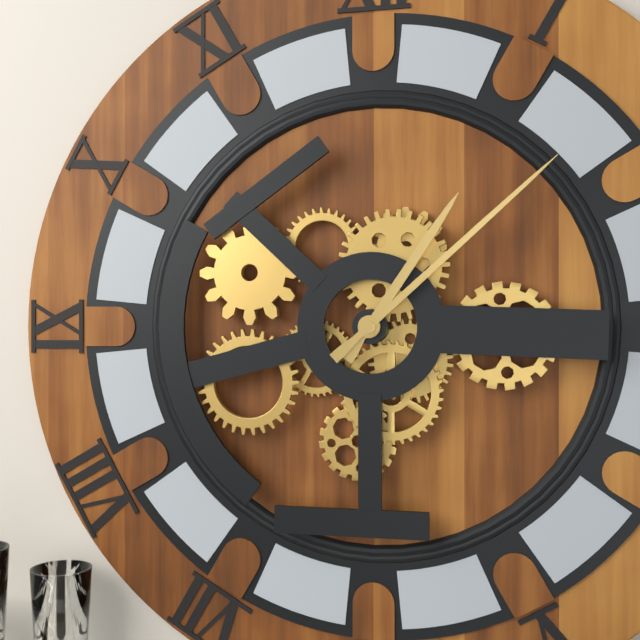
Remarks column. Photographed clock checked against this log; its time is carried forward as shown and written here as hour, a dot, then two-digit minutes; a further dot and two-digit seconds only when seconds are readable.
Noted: 1.08
